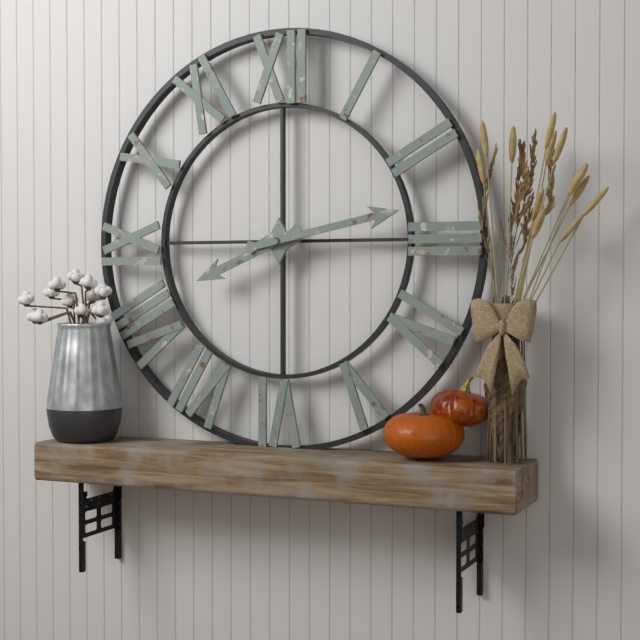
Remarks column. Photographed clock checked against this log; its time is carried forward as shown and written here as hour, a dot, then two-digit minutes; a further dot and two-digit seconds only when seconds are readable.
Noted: 8.13
